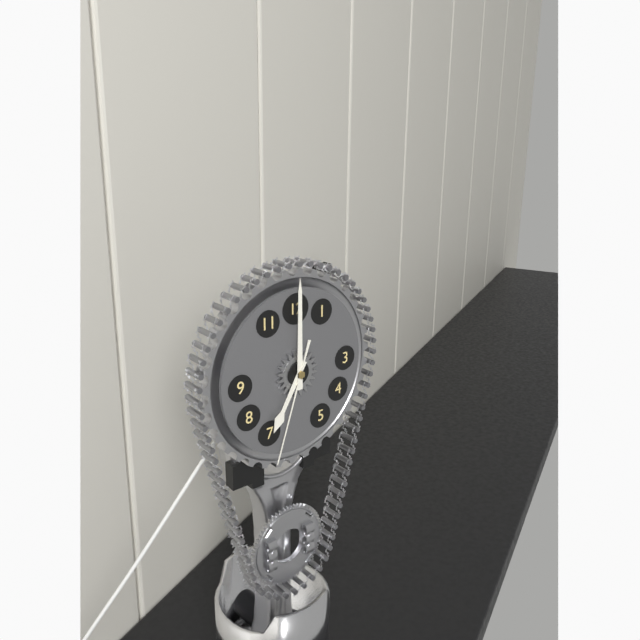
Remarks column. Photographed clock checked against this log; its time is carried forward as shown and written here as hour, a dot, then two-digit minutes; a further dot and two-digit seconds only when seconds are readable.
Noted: 7.00.33
